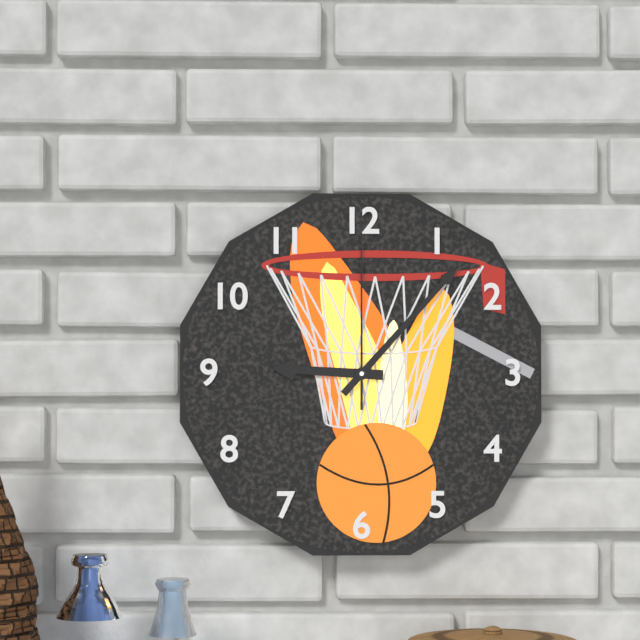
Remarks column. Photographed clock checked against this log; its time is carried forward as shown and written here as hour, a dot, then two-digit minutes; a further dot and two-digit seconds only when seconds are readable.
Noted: 9.07.00
